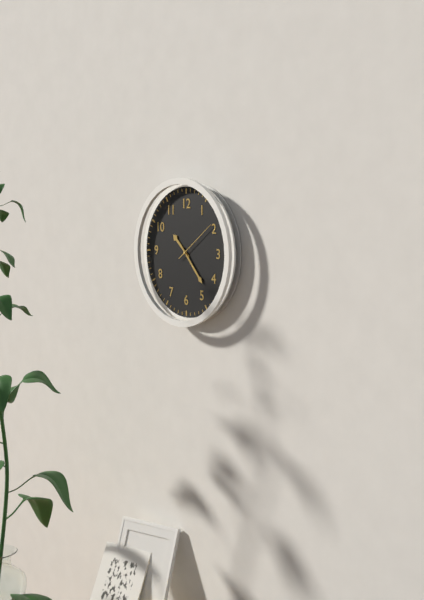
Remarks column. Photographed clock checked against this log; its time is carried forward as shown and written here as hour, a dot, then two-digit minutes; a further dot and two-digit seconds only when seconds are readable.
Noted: 10.23
